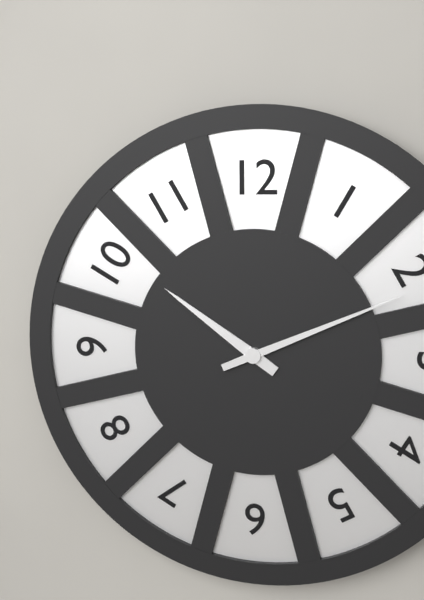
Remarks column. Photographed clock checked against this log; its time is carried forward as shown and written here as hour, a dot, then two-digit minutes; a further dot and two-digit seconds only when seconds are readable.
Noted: 10.11
